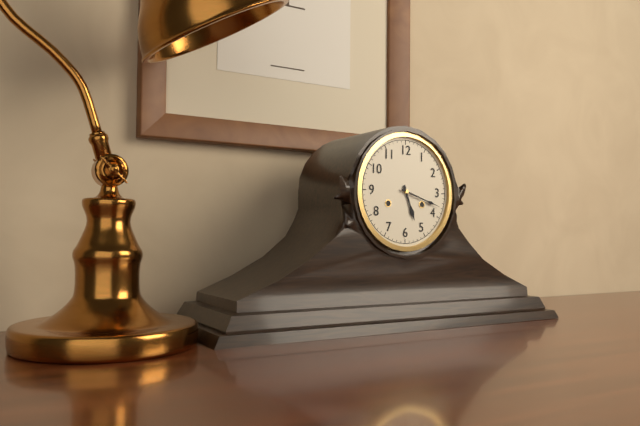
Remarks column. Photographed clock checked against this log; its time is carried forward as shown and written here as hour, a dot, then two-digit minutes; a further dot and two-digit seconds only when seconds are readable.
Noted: 5.18
